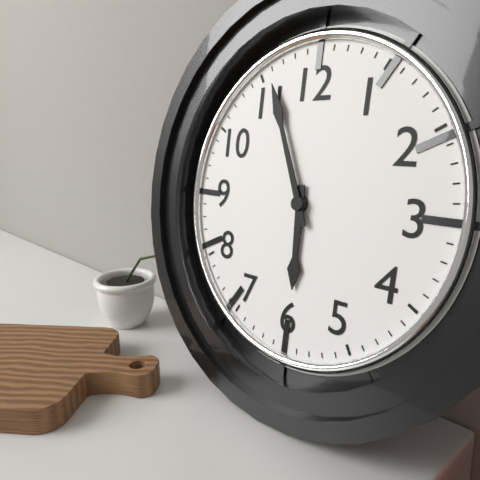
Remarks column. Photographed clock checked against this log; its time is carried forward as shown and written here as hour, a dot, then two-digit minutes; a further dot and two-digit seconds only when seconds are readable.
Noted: 5.56
